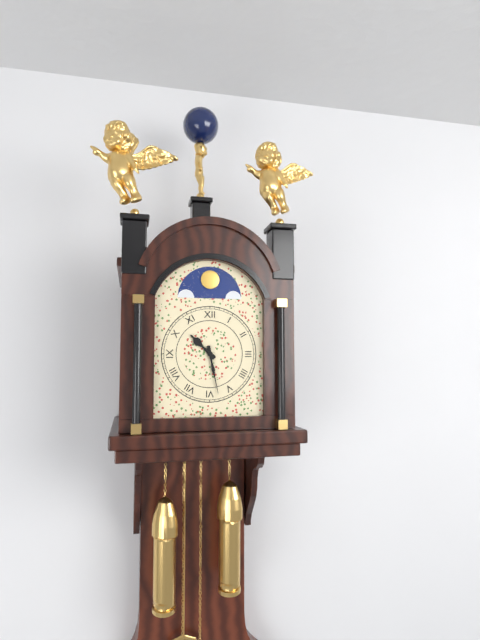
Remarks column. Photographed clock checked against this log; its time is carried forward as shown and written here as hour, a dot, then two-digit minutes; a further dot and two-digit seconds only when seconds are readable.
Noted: 10.28
